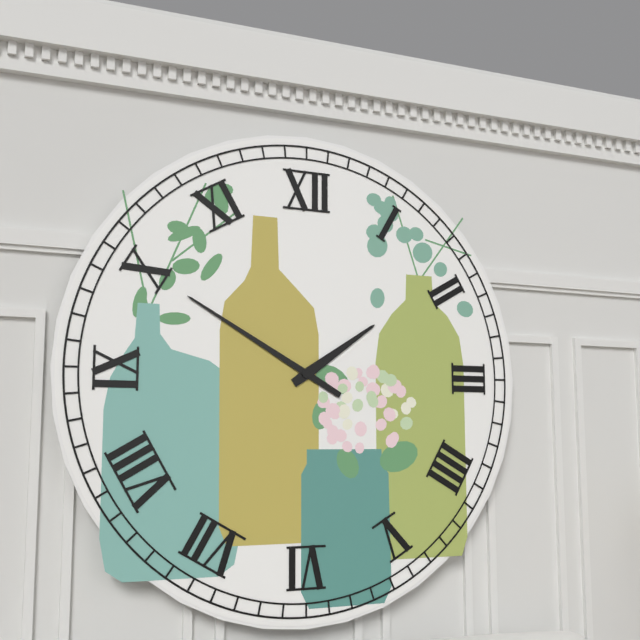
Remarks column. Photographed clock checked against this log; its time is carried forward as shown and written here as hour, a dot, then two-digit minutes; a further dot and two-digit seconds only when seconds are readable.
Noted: 1.50
